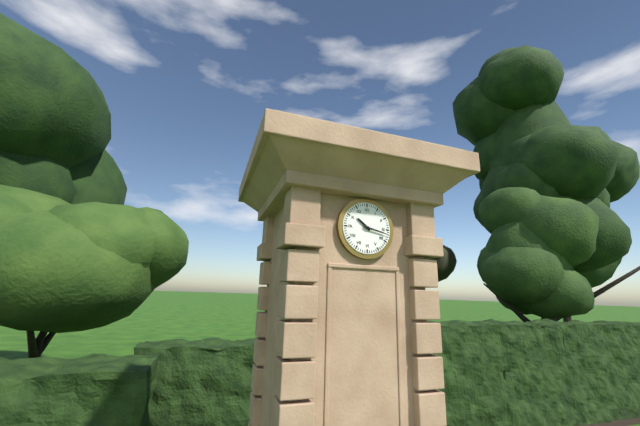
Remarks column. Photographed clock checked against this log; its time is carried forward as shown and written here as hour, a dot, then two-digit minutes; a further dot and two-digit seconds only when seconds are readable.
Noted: 10.17
